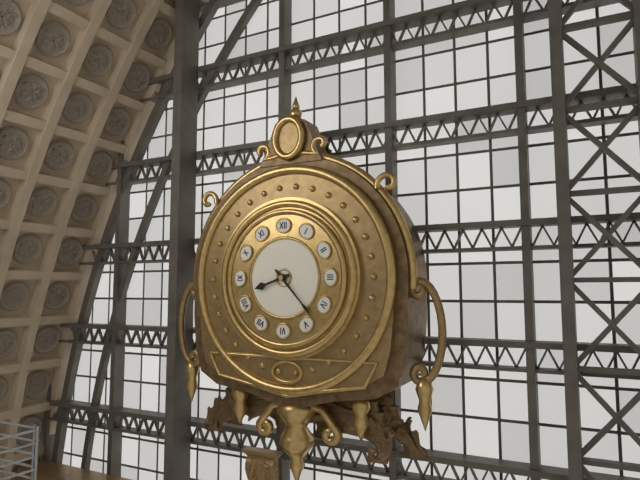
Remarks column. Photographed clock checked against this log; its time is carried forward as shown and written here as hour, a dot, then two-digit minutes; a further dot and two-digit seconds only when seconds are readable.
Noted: 8.23
